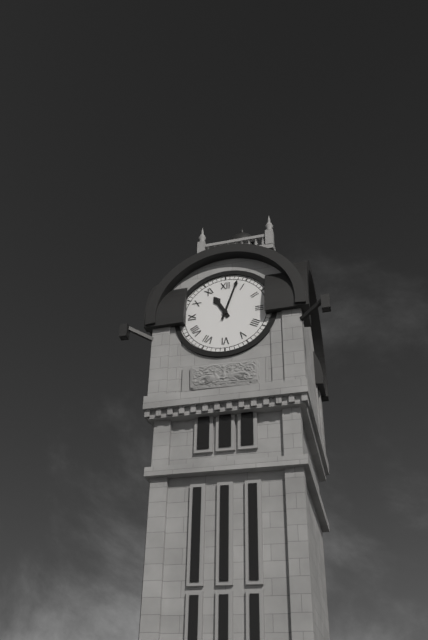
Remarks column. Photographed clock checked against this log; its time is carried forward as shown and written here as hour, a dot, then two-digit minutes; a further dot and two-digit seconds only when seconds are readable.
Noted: 11.03
